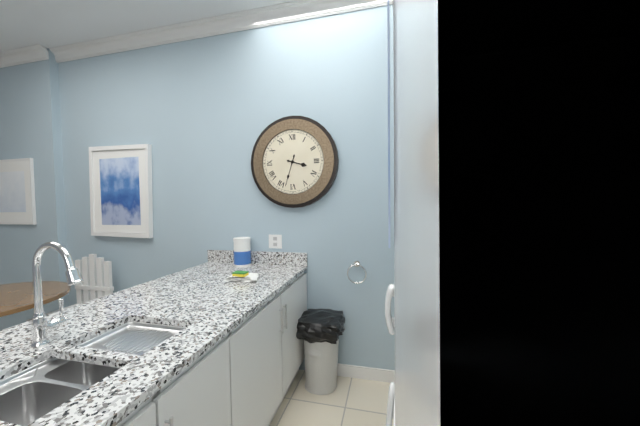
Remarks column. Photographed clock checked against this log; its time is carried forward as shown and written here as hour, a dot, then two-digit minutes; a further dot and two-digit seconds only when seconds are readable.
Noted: 3.33
